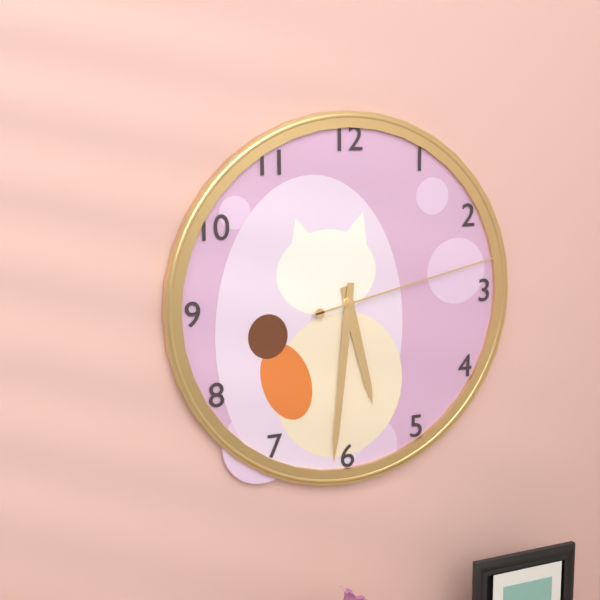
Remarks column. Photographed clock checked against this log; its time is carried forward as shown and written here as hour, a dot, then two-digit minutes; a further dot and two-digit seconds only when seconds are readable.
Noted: 5.31.13
